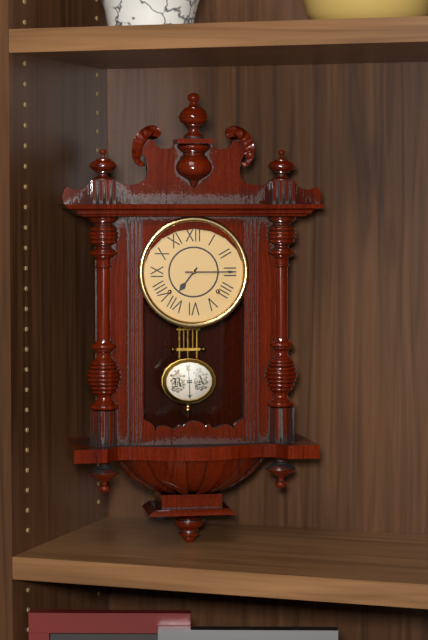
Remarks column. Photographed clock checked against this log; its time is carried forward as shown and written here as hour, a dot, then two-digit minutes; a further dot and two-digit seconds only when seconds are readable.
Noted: 7.15
